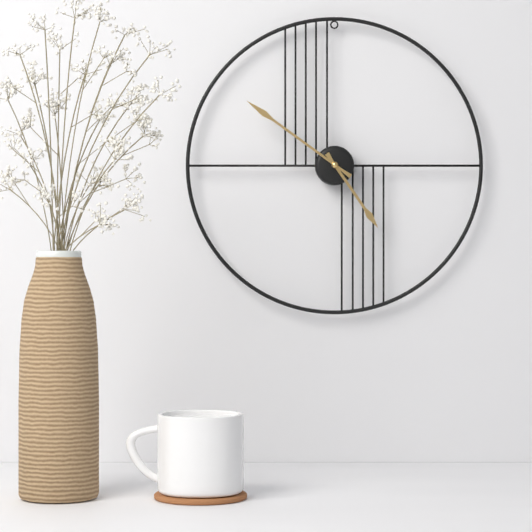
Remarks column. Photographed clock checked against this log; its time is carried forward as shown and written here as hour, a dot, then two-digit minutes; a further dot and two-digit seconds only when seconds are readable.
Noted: 4.51
